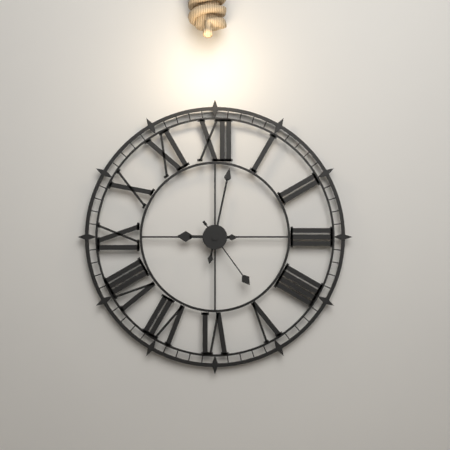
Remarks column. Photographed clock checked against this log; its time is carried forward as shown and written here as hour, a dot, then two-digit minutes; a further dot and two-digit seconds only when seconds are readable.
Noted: 9.02.24
